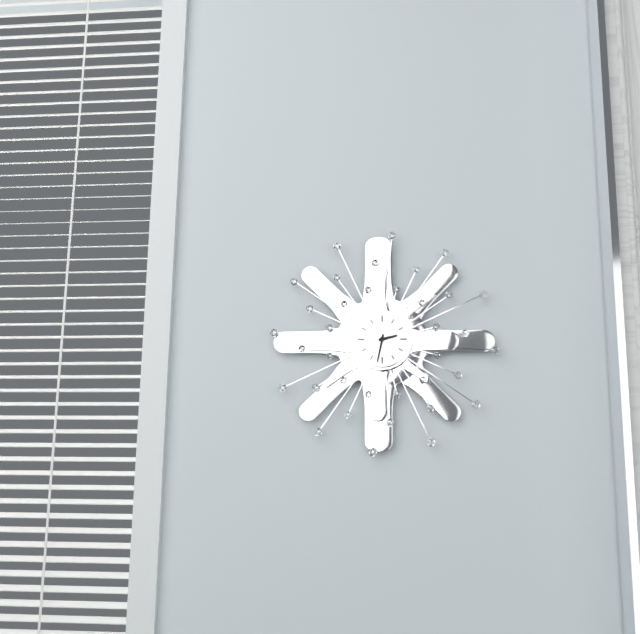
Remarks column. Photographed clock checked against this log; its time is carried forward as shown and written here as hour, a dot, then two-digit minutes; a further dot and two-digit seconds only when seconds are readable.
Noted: 2.32
